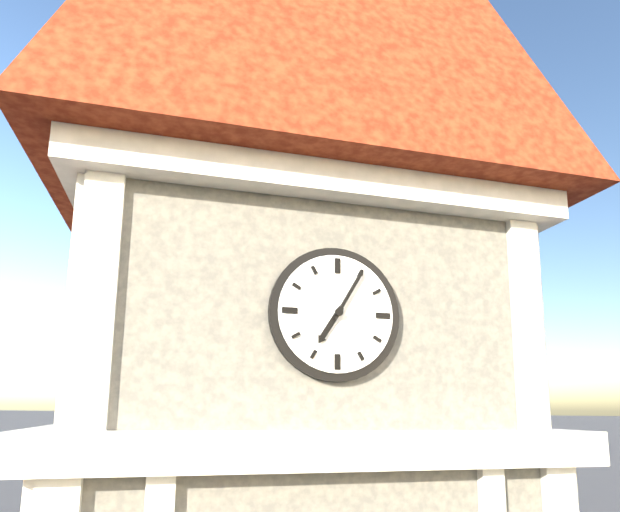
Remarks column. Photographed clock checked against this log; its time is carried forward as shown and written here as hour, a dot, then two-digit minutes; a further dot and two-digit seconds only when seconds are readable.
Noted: 7.05
